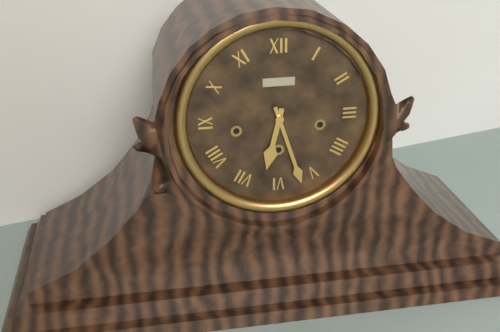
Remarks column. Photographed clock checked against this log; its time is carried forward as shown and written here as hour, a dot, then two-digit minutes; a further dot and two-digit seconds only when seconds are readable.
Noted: 6.27
